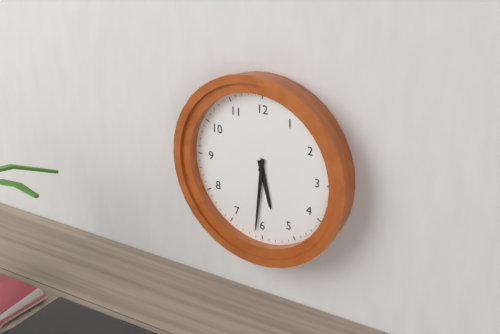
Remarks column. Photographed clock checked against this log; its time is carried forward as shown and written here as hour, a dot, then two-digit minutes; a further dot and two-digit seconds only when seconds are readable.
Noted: 5.31
